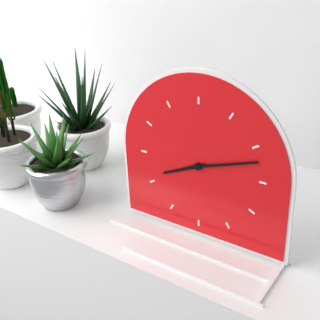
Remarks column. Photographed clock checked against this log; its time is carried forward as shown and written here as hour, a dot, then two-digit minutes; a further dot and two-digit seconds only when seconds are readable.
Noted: 8.12
